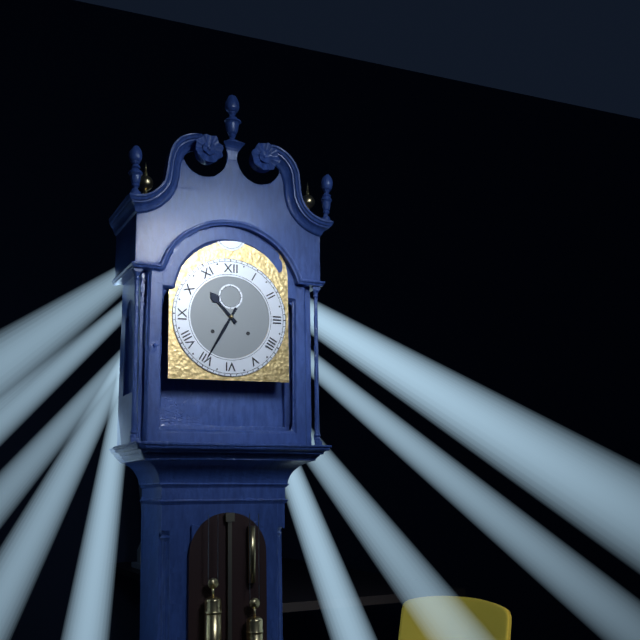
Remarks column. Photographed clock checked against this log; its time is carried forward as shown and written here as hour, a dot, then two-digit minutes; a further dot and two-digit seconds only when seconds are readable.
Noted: 10.35
